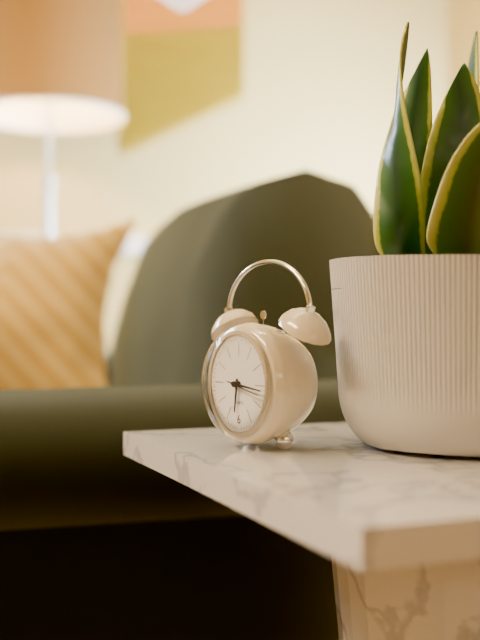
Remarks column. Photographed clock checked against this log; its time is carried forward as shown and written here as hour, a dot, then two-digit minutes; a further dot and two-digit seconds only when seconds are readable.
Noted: 6.16
